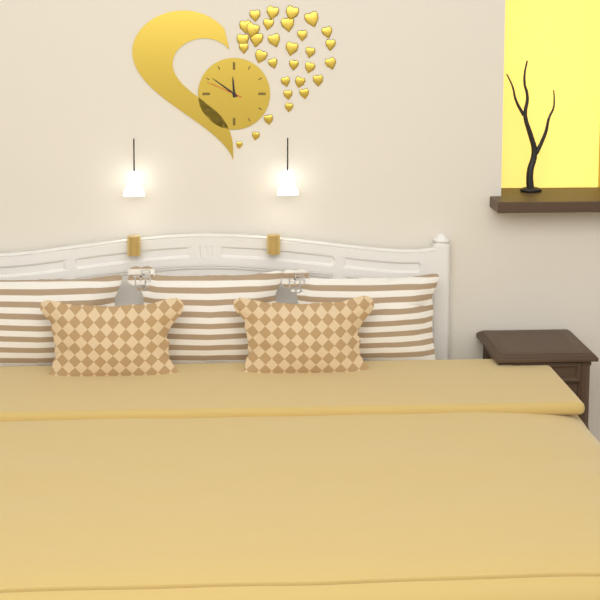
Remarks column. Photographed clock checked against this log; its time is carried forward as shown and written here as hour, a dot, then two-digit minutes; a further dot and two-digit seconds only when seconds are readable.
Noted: 11.51
